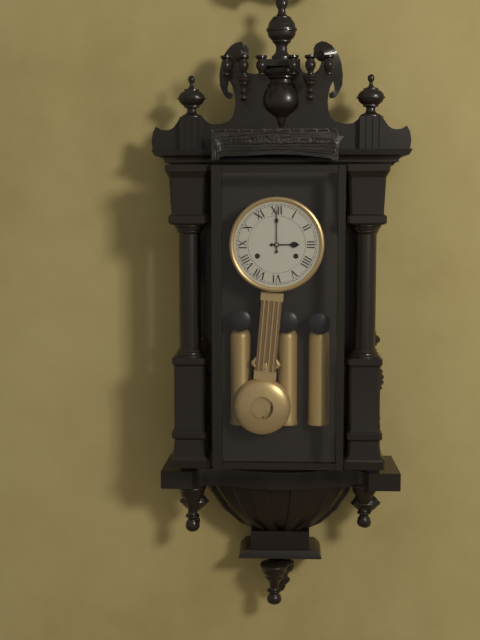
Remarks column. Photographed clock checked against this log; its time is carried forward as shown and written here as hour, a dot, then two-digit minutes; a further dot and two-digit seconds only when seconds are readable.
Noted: 3.00
